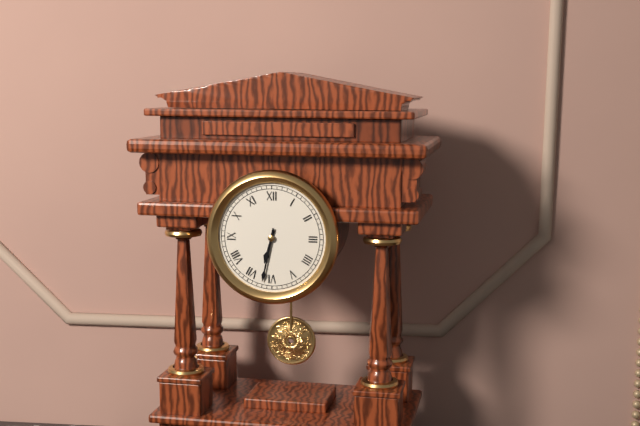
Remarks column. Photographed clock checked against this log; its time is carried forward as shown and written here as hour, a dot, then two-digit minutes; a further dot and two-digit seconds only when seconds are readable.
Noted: 6.32
